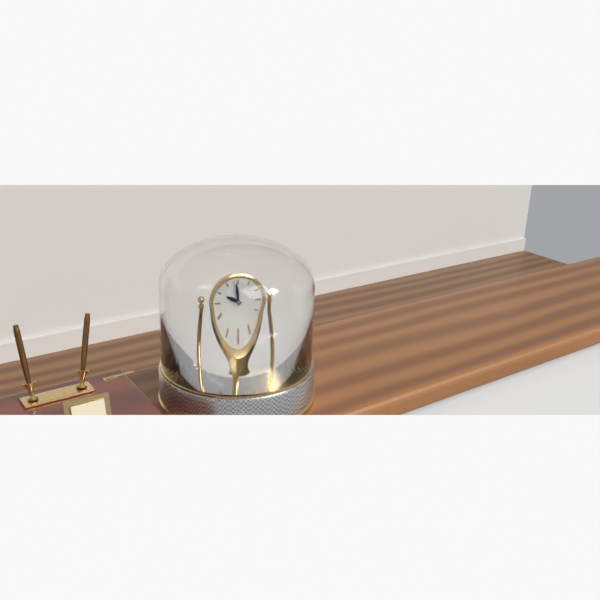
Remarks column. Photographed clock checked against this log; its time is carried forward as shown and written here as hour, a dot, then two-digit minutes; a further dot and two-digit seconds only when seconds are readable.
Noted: 9.59
